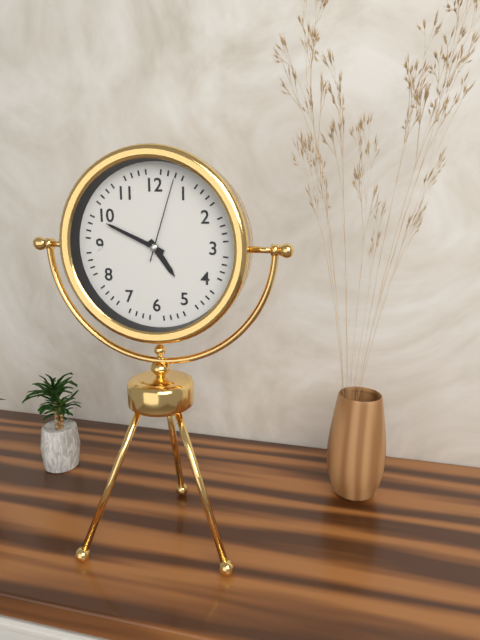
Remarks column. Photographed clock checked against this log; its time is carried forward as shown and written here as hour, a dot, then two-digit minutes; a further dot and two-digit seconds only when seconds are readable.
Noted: 4.49.03
